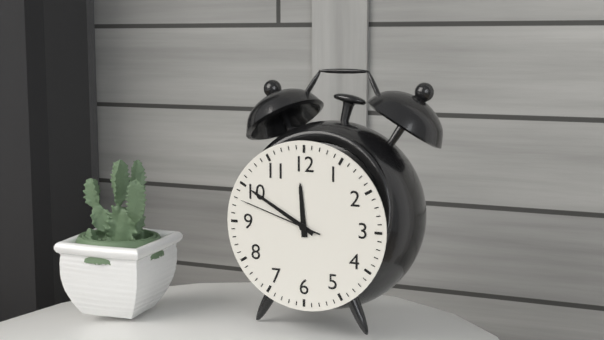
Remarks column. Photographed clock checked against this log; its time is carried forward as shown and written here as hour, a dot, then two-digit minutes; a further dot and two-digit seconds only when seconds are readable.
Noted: 11.50.48
